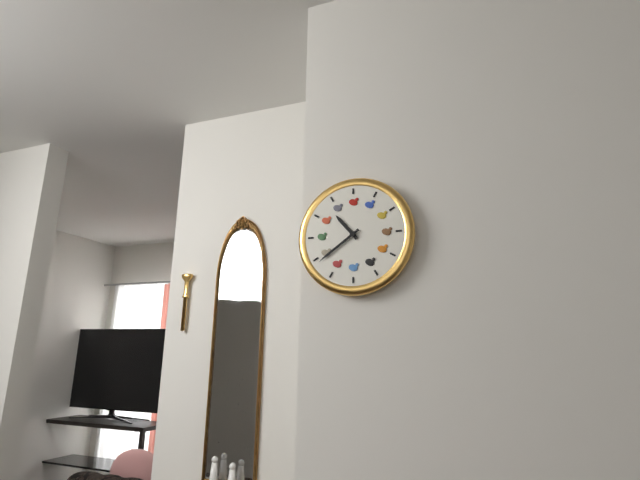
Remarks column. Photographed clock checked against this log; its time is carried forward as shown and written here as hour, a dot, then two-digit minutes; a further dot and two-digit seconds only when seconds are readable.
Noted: 10.39
